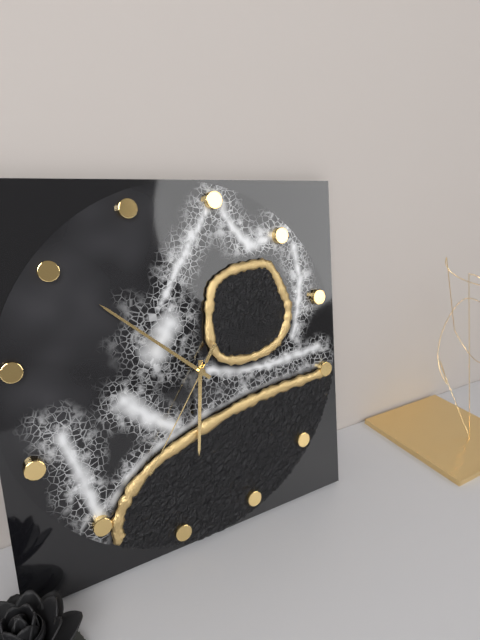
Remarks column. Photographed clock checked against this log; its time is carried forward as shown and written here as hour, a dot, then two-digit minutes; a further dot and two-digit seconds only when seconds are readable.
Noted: 5.50.34
